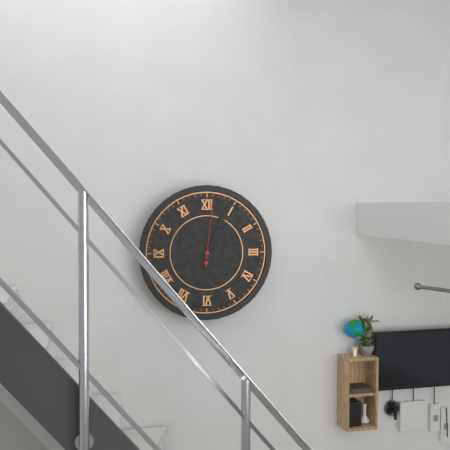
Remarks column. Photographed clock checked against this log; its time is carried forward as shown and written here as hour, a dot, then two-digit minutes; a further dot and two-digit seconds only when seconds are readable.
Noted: 2.04.01
